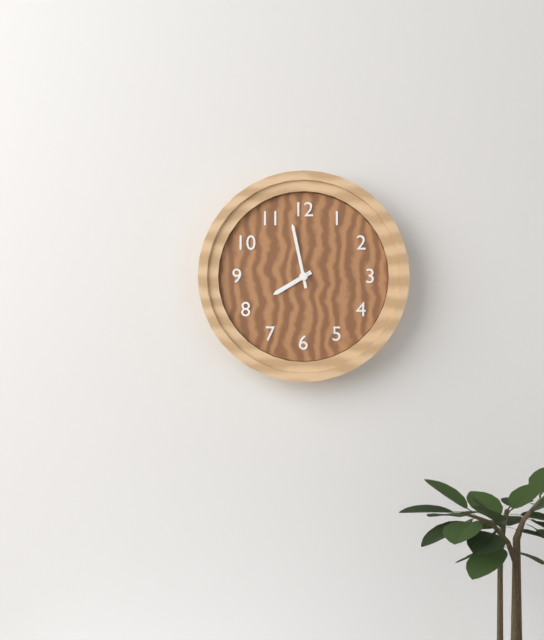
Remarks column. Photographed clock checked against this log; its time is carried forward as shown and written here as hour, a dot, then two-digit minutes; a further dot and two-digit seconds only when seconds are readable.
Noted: 7.58
